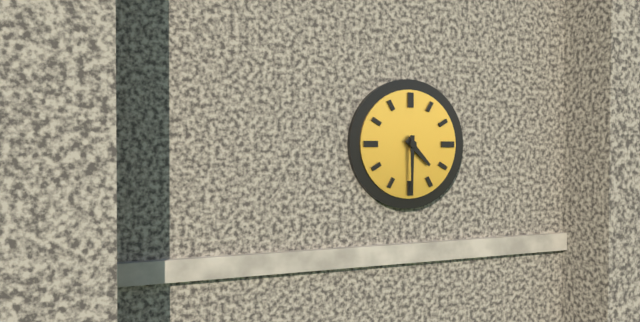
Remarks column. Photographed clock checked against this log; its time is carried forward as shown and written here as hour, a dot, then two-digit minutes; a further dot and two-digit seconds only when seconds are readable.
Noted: 4.30
